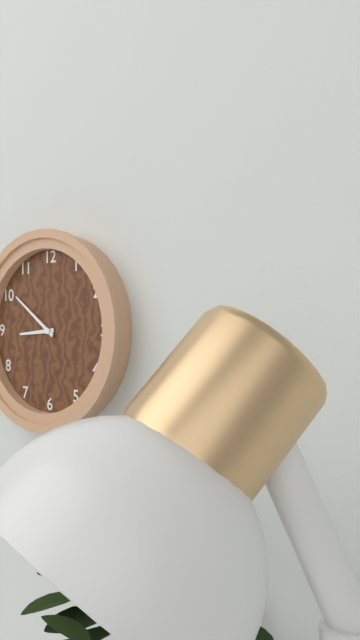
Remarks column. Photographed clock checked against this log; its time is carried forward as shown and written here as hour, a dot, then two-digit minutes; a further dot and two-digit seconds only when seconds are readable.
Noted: 8.51
